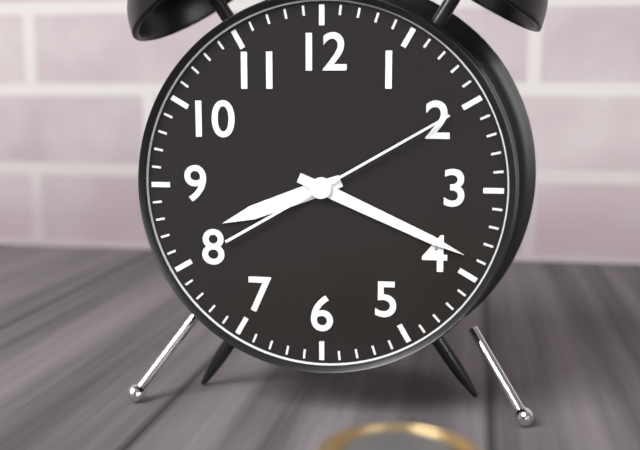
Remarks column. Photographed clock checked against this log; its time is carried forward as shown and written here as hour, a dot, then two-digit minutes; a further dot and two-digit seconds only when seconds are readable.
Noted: 8.19.10
